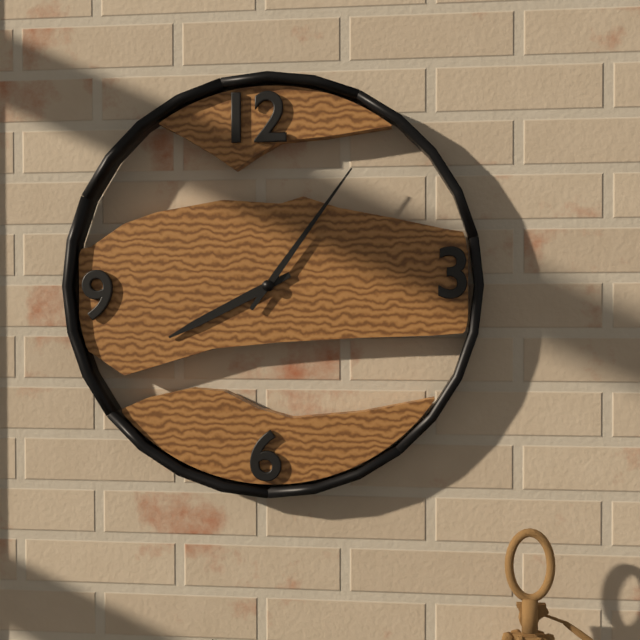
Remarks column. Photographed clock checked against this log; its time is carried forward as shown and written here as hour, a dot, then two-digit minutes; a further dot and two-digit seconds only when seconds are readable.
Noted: 8.06
